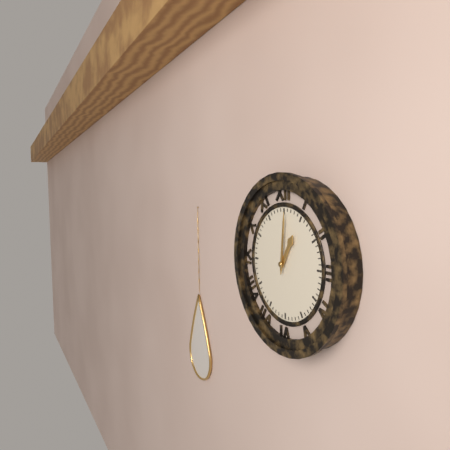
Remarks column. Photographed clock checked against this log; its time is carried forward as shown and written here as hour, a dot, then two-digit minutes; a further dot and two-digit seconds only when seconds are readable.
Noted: 1.01
